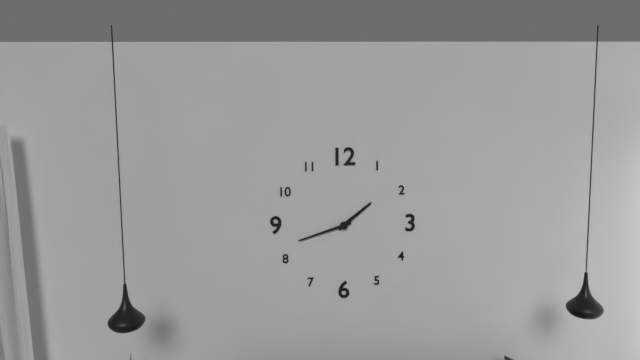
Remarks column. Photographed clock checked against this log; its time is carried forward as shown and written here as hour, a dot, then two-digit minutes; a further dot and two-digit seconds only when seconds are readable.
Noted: 1.42
